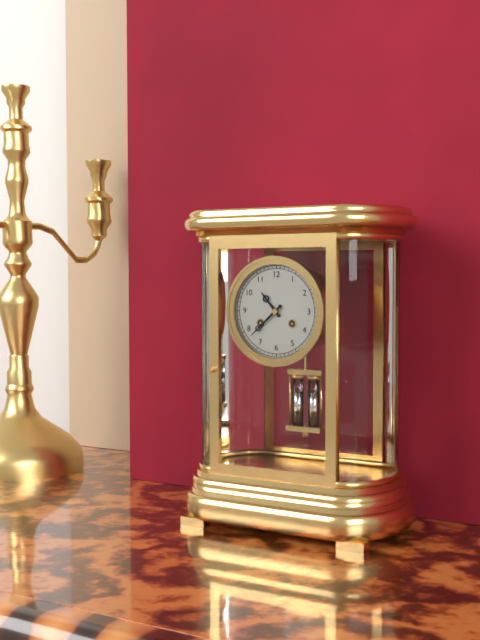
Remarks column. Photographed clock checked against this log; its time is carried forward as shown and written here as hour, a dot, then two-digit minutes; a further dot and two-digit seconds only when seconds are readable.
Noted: 10.38
